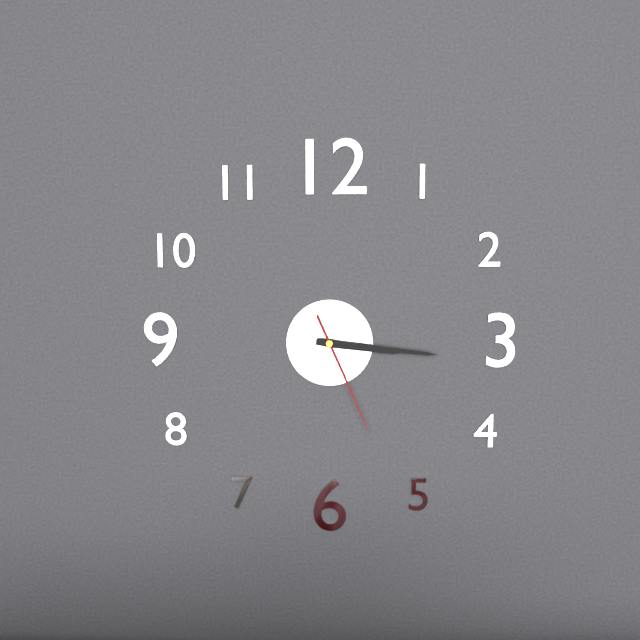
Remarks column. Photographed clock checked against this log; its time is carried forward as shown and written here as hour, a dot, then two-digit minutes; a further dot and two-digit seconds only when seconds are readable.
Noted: 3.16.26
